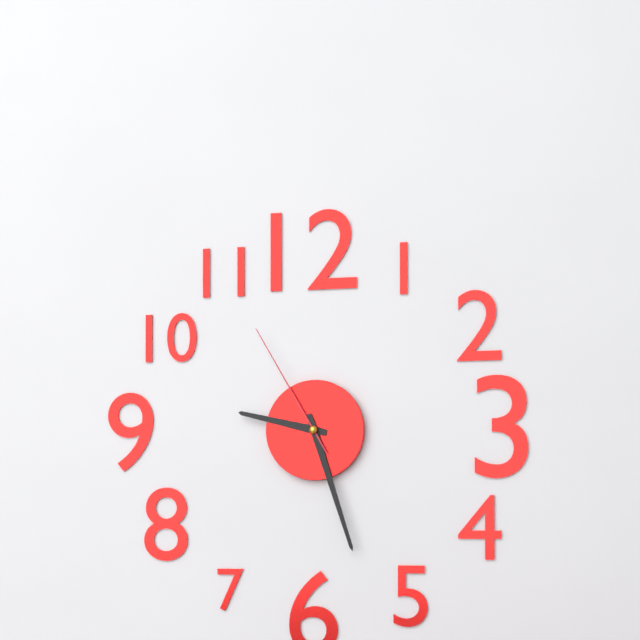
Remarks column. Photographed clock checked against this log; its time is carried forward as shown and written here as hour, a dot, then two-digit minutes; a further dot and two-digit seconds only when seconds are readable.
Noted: 9.27.55
